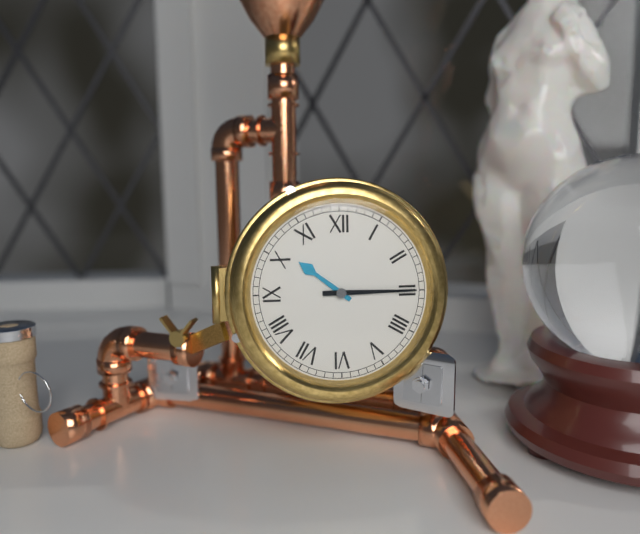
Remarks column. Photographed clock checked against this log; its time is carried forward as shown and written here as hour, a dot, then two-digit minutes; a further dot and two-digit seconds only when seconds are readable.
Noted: 10.15
